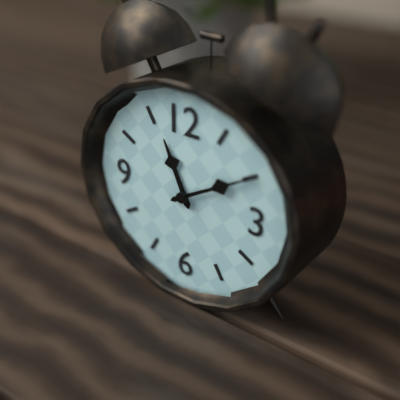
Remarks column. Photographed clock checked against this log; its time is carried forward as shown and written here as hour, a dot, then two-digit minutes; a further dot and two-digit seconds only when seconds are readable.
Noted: 11.10
